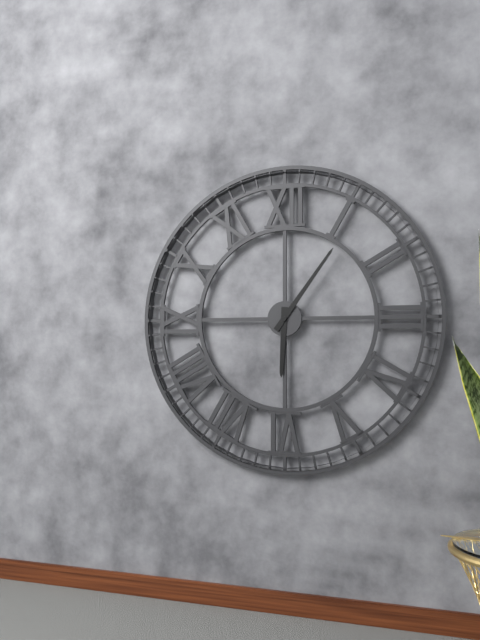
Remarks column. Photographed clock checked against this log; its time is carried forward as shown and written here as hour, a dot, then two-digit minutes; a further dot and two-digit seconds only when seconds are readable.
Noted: 6.06
